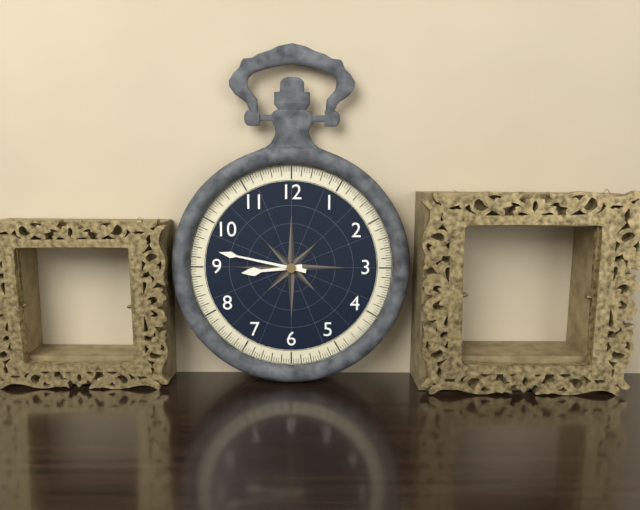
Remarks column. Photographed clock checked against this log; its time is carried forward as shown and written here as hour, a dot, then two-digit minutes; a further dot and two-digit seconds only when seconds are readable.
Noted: 8.47
